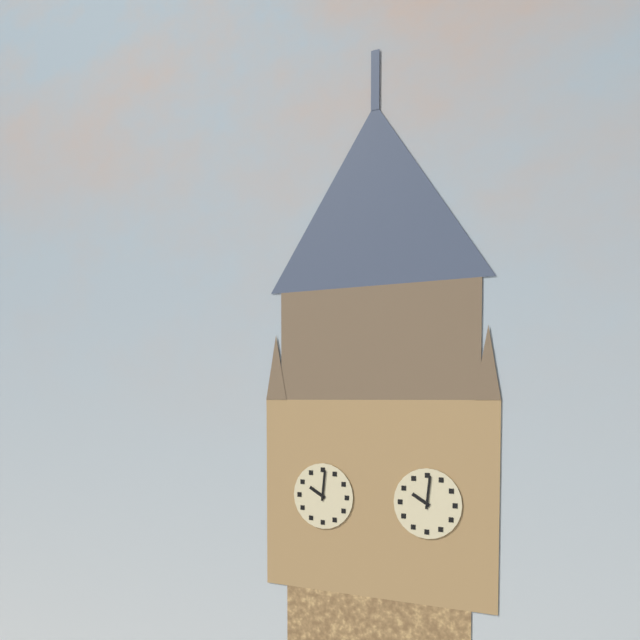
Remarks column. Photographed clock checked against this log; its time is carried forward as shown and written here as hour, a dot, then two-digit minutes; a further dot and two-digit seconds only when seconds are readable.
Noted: 10.01
